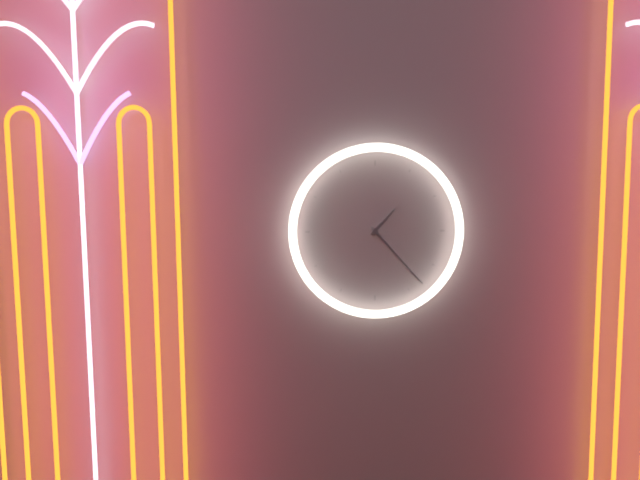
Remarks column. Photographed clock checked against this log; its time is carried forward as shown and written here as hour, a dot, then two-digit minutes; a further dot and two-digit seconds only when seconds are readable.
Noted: 1.23
